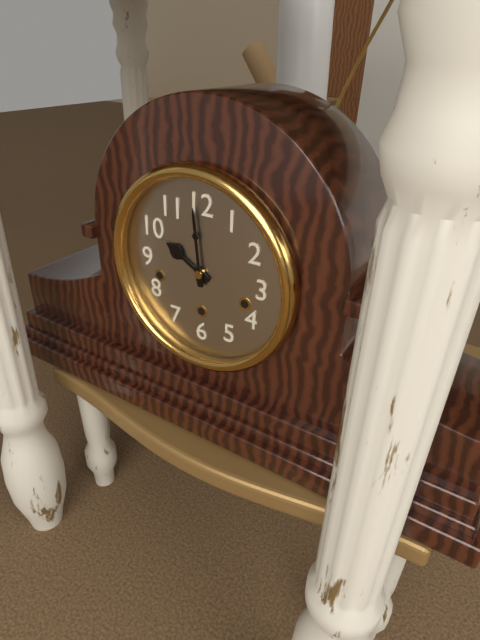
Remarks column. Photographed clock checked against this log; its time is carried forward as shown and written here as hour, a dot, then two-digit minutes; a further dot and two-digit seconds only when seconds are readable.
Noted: 9.59
